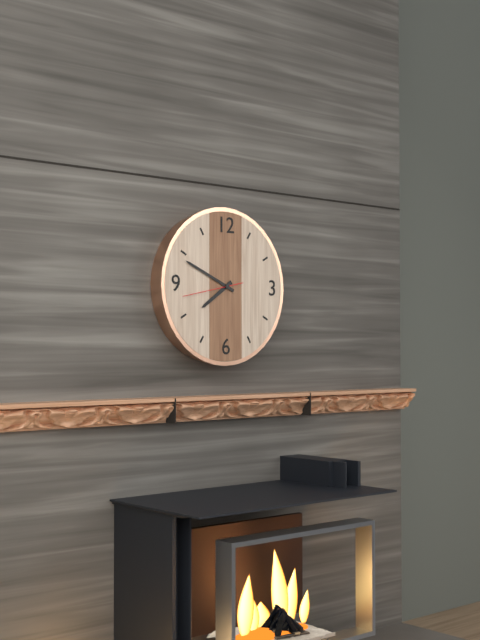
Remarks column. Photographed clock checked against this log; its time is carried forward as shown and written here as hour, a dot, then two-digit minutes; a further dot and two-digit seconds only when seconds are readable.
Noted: 7.49.43
